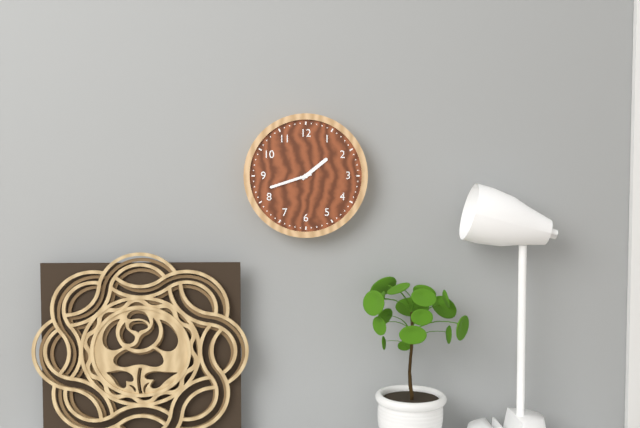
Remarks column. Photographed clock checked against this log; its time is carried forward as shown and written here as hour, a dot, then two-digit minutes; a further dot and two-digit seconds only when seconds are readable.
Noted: 1.42
